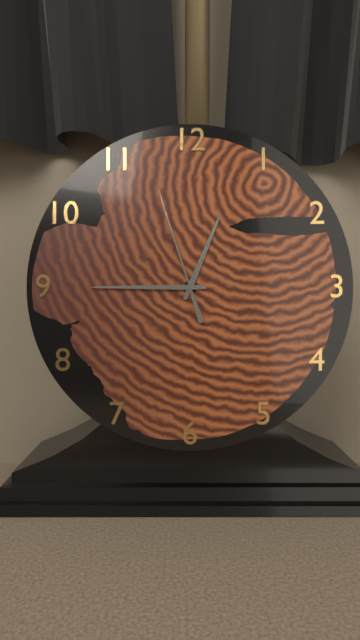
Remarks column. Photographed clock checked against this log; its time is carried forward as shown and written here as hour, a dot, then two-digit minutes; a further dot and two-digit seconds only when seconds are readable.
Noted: 12.45.57
